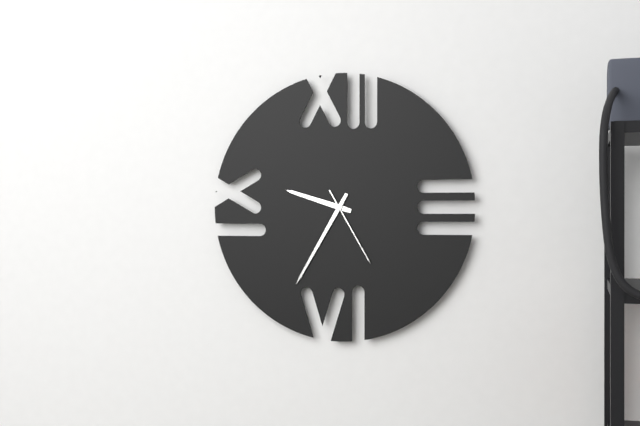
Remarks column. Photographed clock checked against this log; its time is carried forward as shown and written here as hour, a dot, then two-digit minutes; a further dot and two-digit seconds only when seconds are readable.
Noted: 9.35.25
